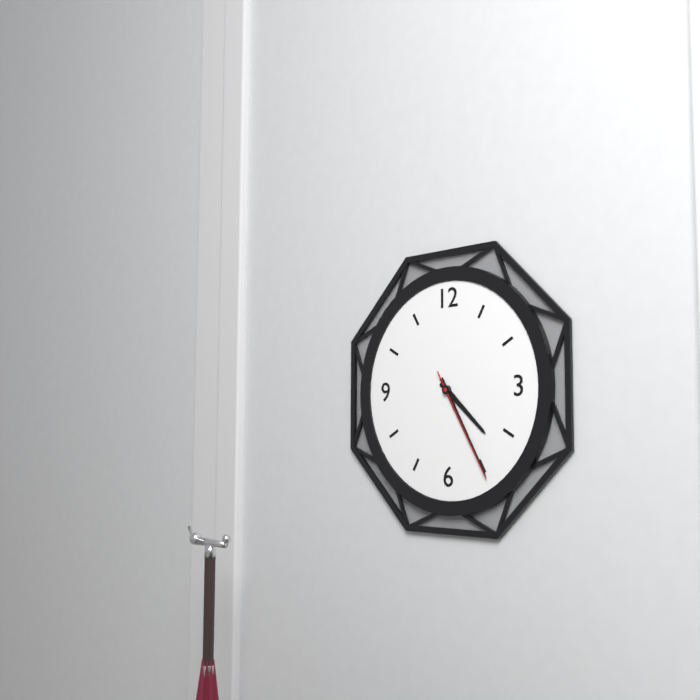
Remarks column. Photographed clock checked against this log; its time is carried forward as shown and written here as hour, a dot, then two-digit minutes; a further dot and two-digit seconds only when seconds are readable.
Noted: 4.25.25
